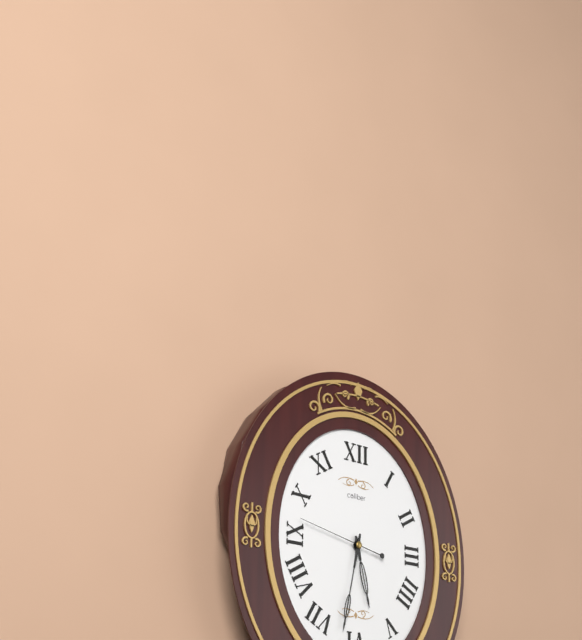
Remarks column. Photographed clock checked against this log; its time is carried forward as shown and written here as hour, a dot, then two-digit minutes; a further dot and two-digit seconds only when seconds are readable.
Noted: 5.32.47
